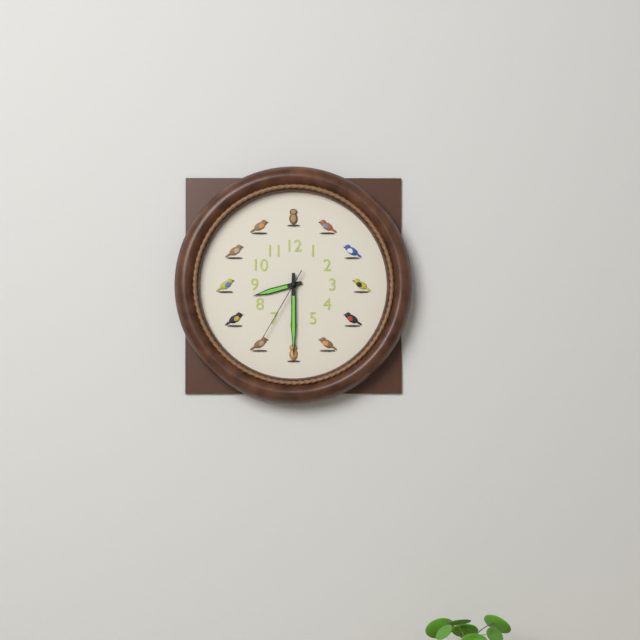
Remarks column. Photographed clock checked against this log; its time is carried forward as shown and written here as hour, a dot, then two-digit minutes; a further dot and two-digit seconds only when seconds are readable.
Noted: 8.30.35
